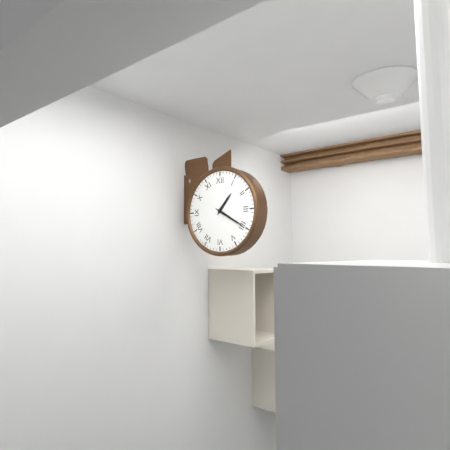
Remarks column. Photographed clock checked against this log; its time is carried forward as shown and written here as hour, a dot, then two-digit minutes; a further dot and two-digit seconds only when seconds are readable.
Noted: 1.20
